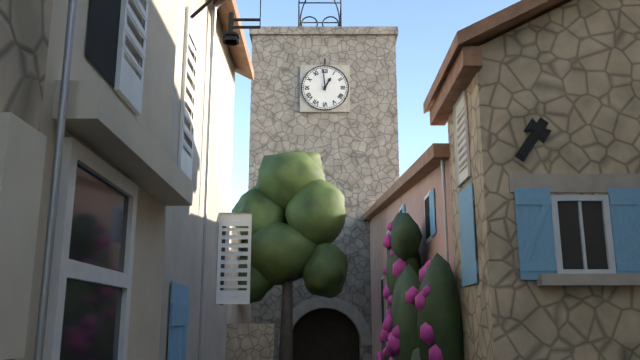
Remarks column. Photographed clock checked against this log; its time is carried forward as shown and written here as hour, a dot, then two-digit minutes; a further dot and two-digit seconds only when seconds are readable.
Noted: 12.59
